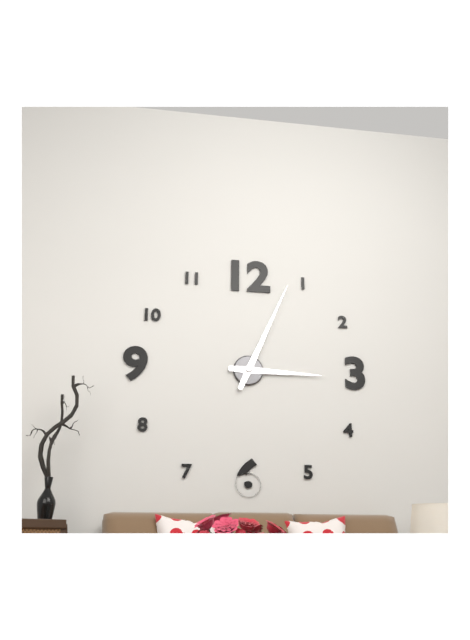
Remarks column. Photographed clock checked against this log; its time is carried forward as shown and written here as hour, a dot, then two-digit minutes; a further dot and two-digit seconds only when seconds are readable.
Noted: 3.04
